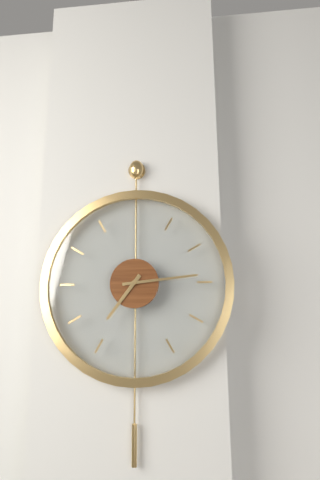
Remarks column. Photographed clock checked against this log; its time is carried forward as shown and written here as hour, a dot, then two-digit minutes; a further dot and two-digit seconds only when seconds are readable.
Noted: 7.14
